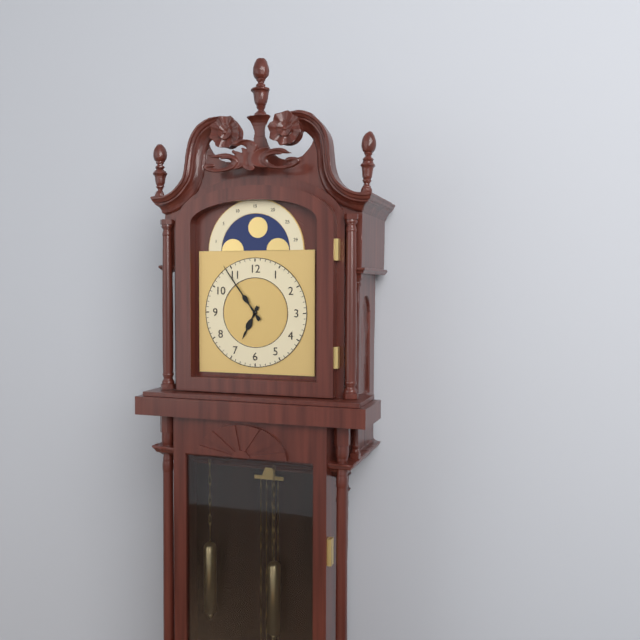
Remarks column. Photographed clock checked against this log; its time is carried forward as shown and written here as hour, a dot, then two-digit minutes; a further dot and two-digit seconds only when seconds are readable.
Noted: 6.54
